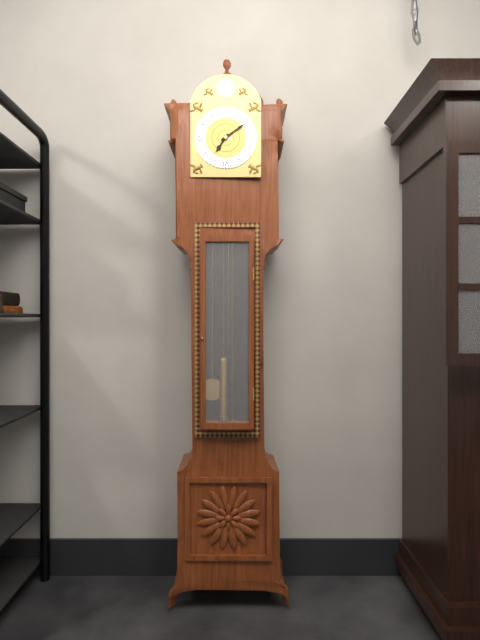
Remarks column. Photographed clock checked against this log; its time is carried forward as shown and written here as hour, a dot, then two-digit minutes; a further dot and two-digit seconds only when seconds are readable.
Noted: 7.09
